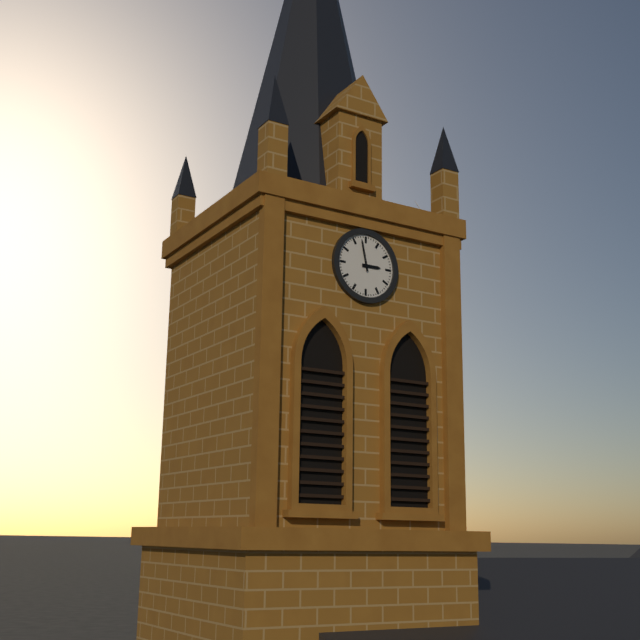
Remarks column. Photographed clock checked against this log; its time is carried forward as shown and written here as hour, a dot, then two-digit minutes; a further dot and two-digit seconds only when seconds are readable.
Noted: 2.58
